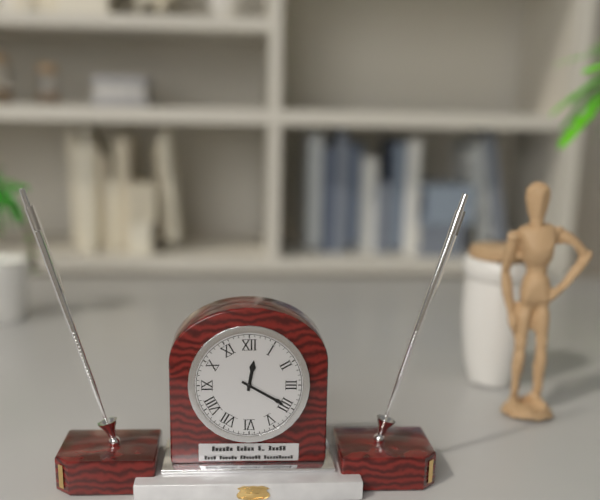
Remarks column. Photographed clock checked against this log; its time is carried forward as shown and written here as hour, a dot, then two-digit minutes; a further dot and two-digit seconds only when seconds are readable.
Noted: 12.20
